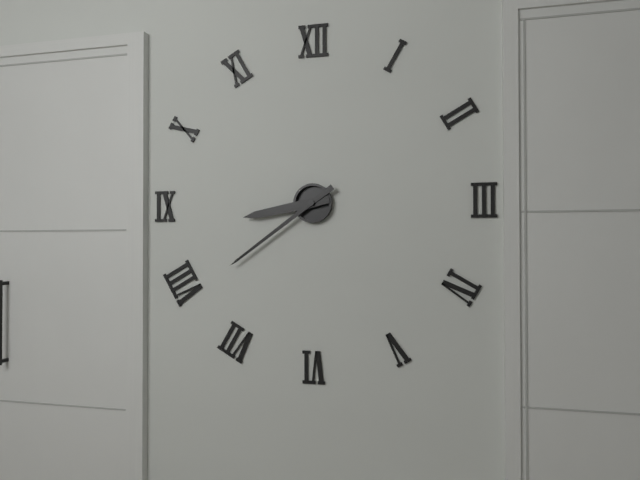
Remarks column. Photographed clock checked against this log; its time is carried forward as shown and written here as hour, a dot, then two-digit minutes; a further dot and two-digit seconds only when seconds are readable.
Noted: 8.39
